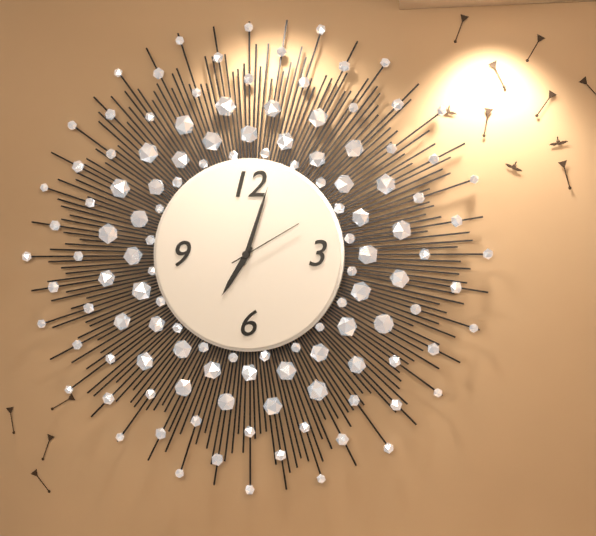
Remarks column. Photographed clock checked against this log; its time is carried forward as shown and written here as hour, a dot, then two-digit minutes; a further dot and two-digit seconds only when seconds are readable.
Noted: 7.03.10
